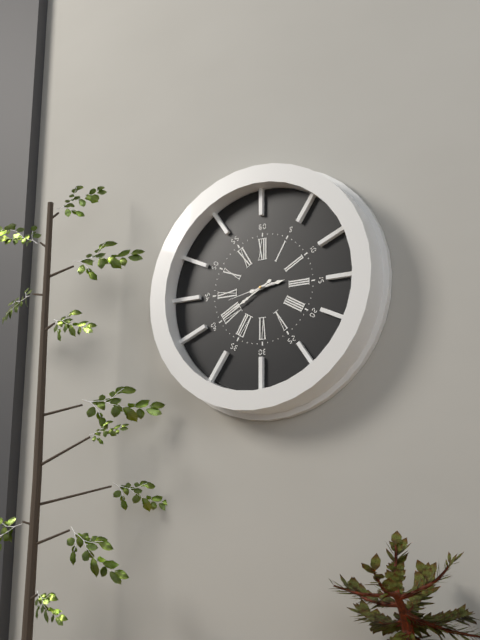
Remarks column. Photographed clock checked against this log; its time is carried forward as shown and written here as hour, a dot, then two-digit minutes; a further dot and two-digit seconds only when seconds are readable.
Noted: 2.40
